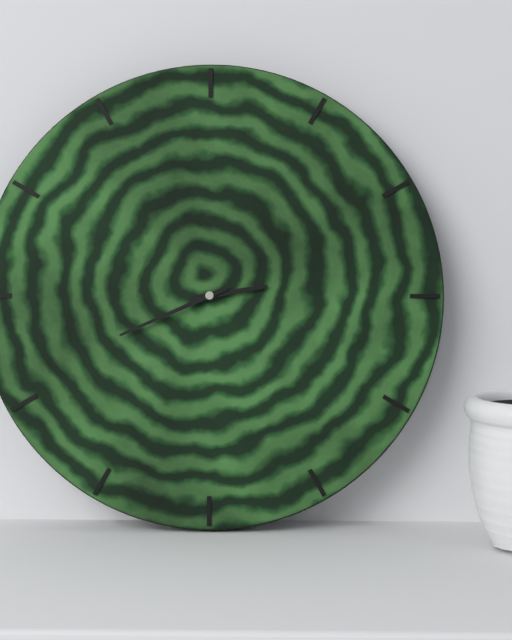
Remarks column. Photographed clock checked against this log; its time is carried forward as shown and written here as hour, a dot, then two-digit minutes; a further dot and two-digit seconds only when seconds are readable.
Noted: 2.41
